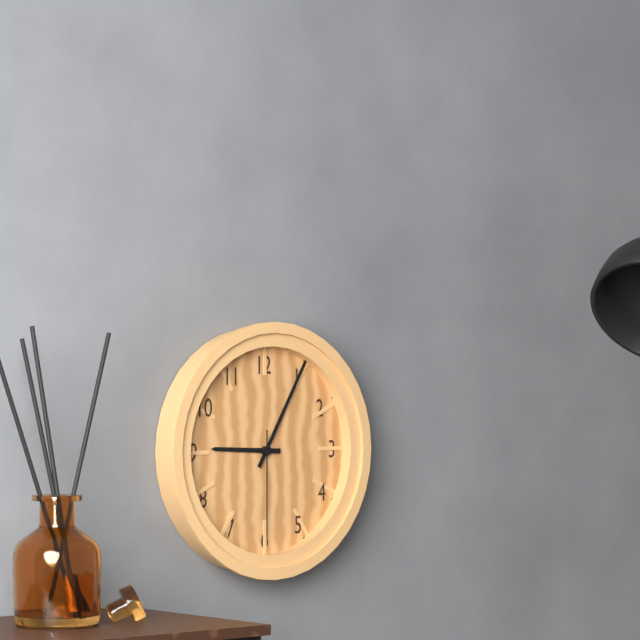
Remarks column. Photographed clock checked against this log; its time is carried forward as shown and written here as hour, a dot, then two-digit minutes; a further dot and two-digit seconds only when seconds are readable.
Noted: 9.05.30
